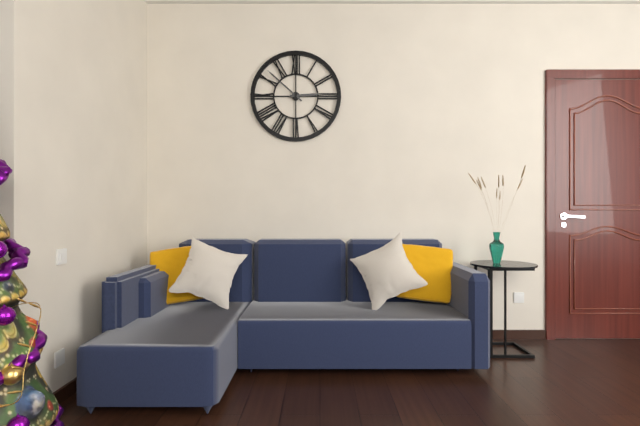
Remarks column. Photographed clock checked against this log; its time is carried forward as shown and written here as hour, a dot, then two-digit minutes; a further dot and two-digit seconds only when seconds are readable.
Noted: 2.52
